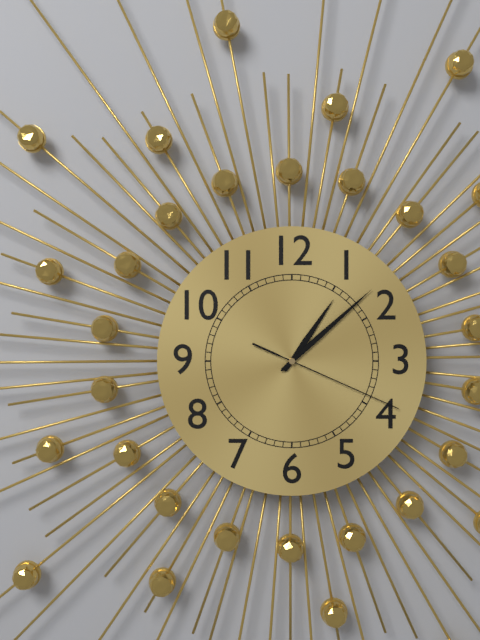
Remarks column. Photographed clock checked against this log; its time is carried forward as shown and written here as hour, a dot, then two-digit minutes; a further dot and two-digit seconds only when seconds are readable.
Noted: 1.08.19
